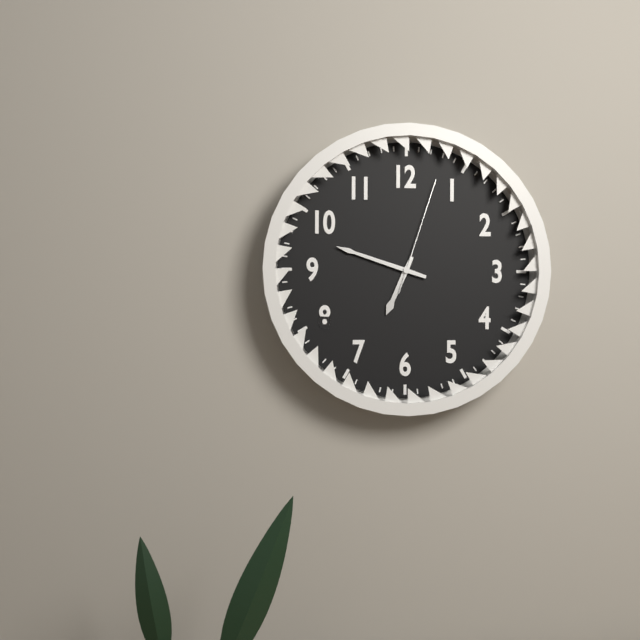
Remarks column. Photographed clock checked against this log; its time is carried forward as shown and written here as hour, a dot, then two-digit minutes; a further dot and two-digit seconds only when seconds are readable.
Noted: 6.48.03
